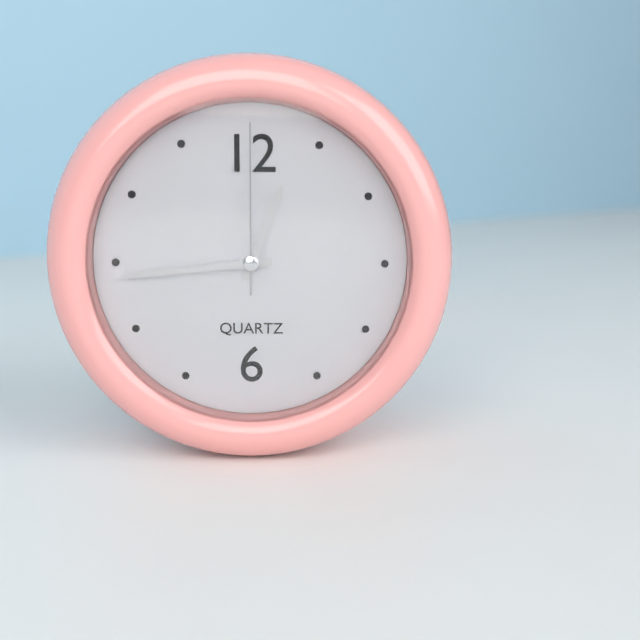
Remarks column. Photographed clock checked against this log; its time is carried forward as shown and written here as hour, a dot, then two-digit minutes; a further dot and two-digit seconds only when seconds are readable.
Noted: 12.44.00
